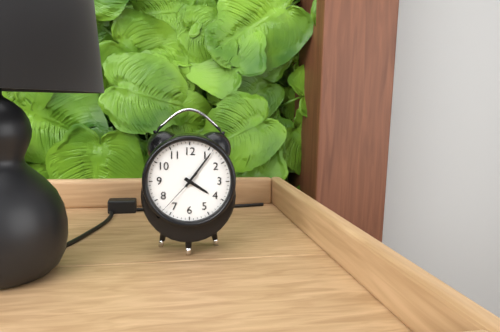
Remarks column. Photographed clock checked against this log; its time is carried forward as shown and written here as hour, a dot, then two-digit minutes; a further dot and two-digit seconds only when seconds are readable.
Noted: 4.06
